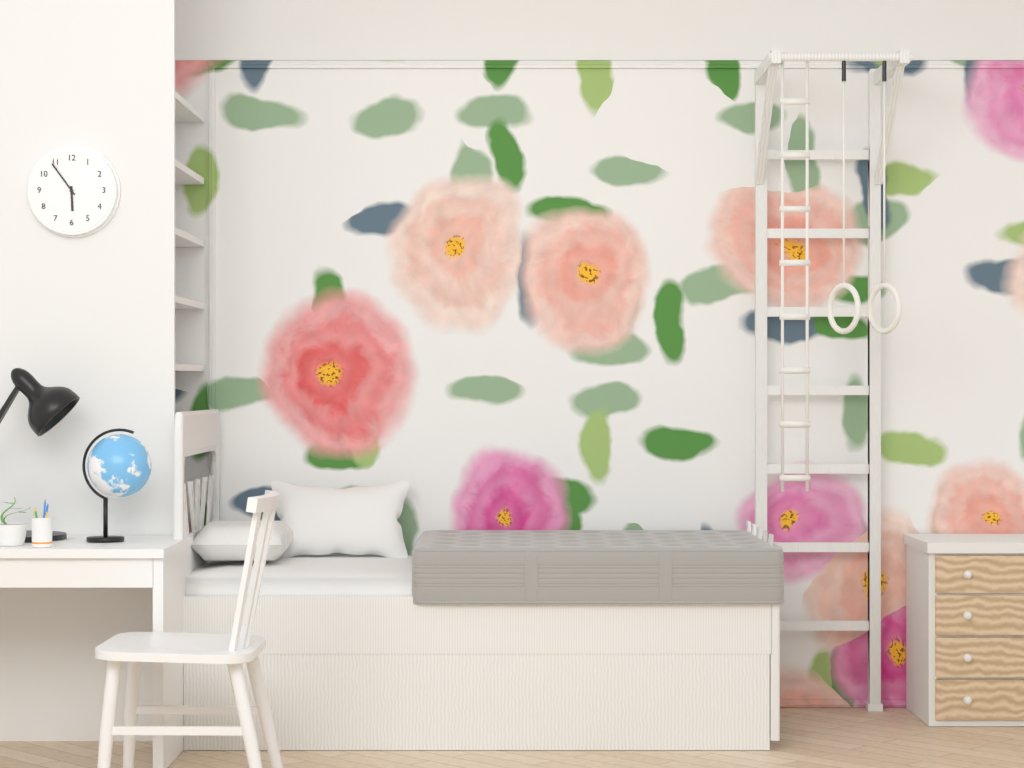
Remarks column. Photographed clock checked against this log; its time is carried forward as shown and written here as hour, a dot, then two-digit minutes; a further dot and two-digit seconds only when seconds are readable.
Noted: 5.54
